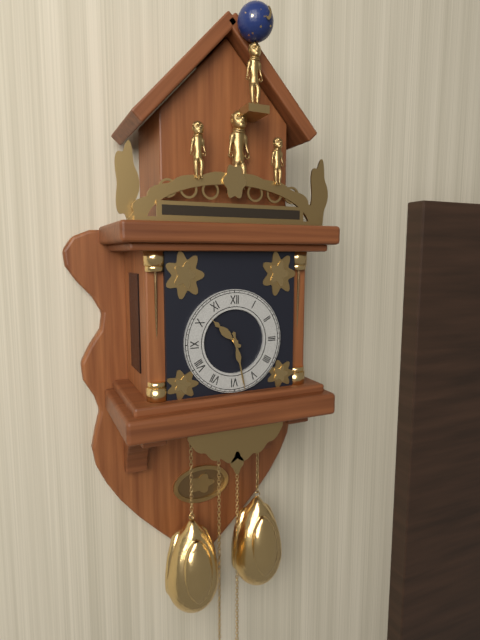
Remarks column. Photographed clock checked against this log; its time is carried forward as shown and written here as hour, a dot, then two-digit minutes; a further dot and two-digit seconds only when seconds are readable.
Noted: 10.28
